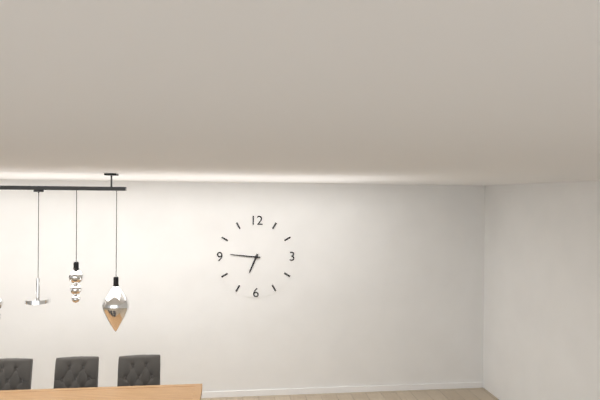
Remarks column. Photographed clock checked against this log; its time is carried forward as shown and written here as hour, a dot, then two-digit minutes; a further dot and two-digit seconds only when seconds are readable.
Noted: 6.46
